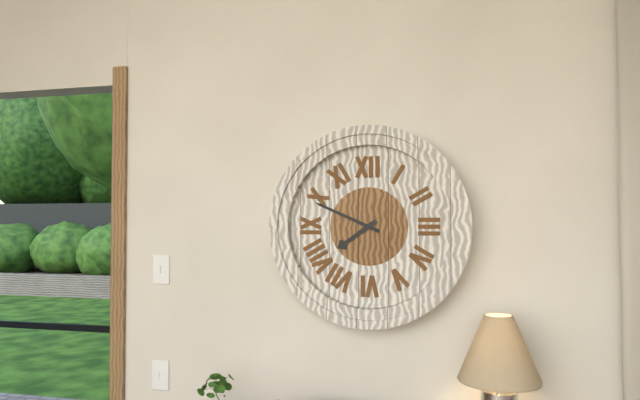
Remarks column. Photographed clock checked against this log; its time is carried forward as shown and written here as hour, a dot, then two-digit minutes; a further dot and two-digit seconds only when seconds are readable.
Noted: 7.49
